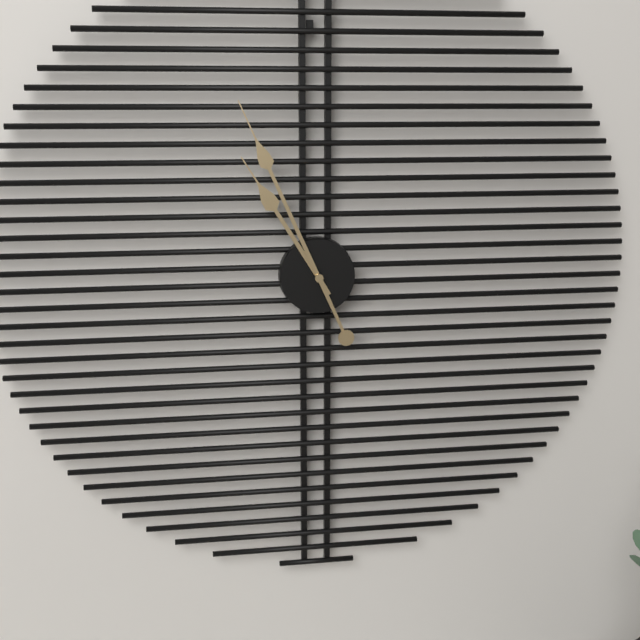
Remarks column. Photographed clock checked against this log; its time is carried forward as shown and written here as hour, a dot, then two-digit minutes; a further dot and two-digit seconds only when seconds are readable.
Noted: 10.56
